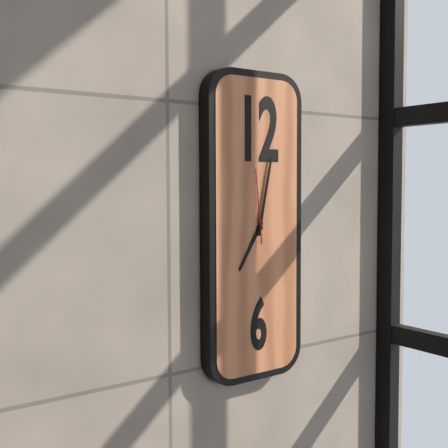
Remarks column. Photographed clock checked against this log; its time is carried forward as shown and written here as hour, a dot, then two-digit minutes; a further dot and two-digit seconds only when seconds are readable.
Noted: 7.02.59
